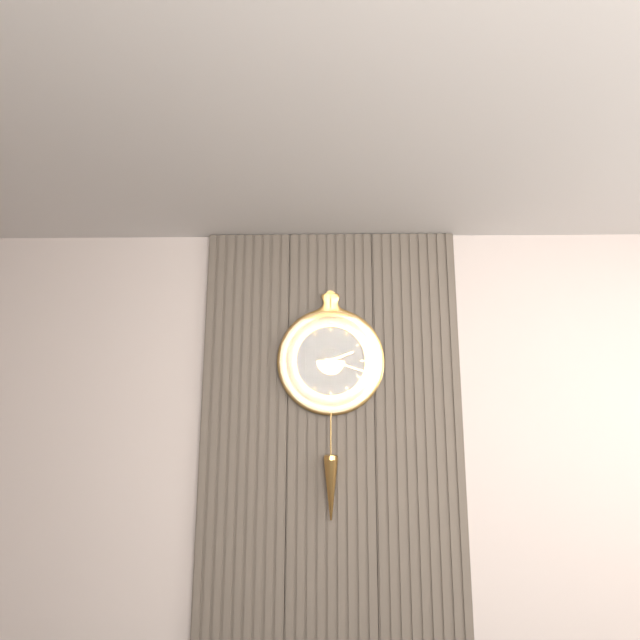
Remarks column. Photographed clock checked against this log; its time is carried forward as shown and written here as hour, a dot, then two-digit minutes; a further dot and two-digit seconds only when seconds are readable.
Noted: 2.18
